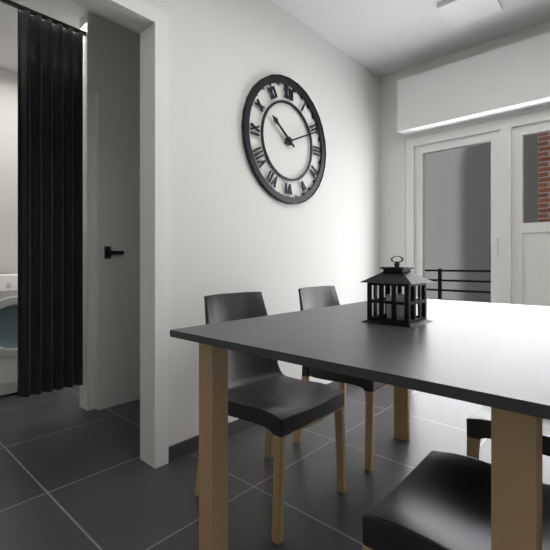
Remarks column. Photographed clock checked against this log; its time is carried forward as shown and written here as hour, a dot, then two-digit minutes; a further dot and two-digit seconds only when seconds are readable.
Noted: 10.11
